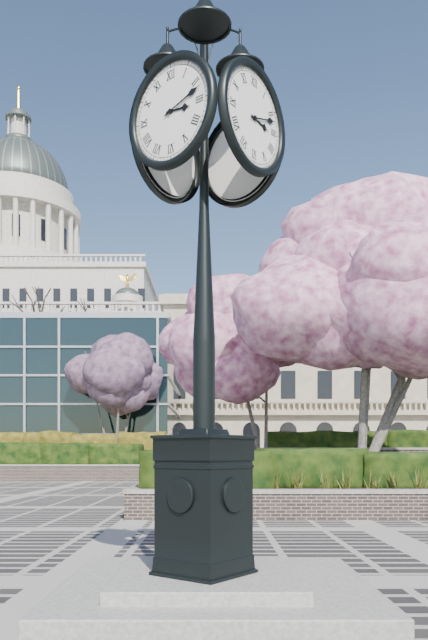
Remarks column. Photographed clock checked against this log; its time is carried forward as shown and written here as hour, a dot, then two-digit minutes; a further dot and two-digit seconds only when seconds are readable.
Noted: 3.12
